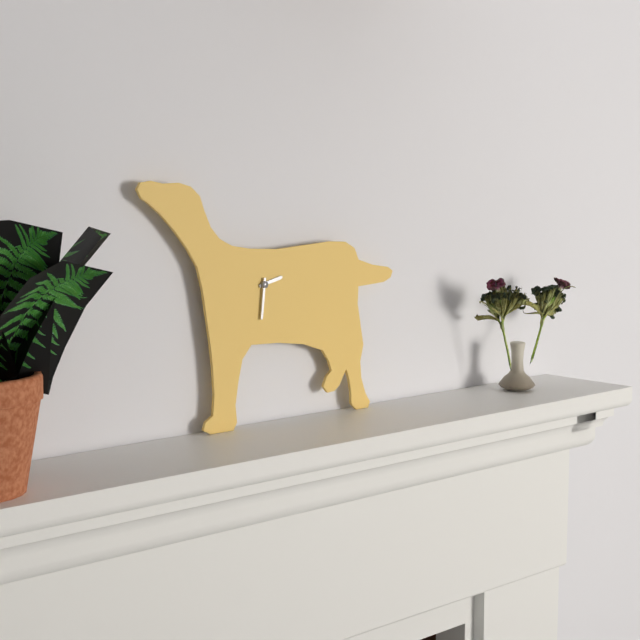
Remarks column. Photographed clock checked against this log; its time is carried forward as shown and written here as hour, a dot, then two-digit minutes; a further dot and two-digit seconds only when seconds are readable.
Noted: 2.31
